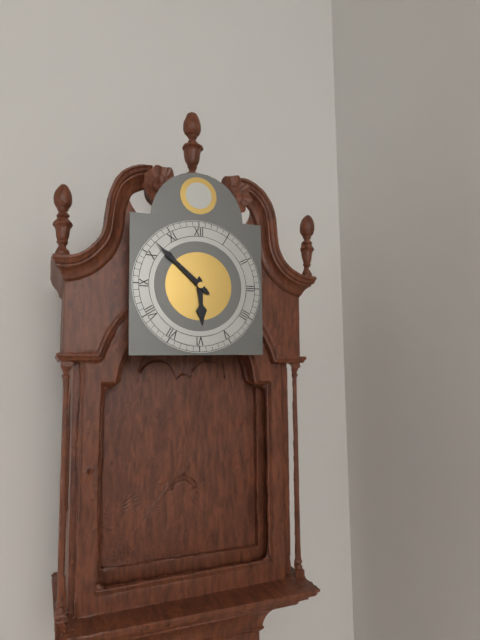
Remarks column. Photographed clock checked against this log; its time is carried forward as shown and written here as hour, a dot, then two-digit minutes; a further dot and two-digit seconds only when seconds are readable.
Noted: 5.52
